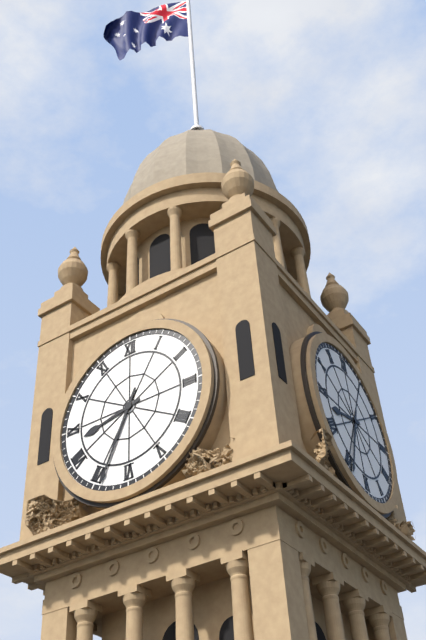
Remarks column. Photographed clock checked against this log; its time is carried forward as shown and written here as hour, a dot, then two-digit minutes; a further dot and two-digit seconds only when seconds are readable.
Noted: 8.34
